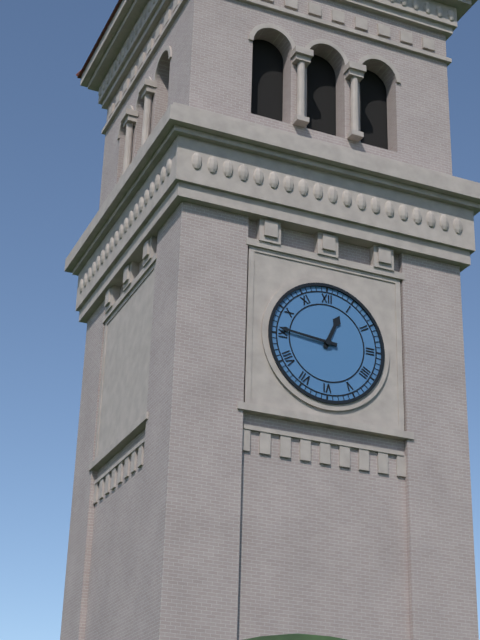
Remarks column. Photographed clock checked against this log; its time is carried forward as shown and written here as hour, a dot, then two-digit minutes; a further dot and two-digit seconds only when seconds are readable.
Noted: 12.46
